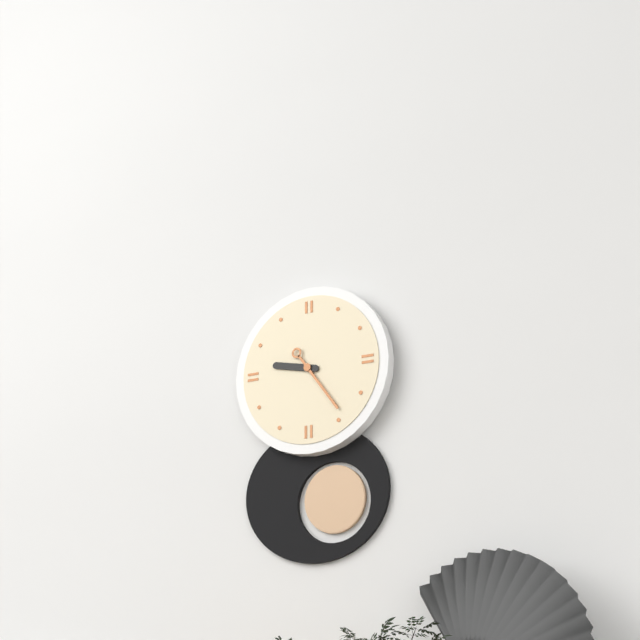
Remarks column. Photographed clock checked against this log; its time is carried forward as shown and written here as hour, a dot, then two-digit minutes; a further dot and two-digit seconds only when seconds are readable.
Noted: 9.24
